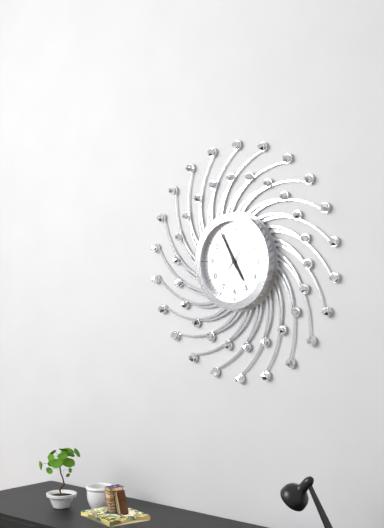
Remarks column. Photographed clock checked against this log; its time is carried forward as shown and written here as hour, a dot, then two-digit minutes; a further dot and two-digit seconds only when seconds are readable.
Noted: 4.55
